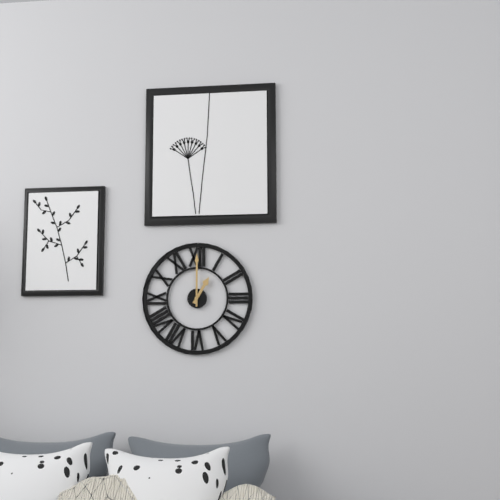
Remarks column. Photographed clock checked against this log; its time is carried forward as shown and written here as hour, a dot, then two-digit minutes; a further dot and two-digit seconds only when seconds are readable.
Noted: 1.00
